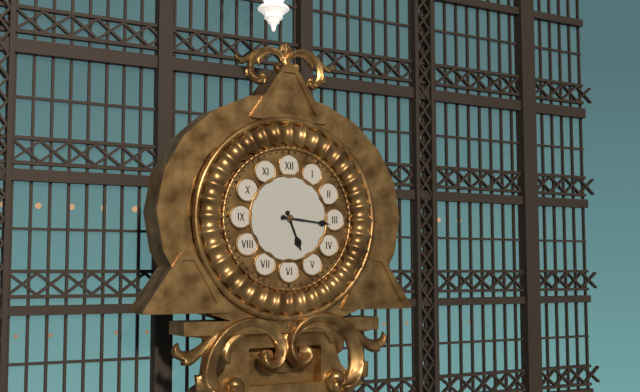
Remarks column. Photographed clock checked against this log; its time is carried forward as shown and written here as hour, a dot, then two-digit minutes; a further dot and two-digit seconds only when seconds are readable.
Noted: 5.16
